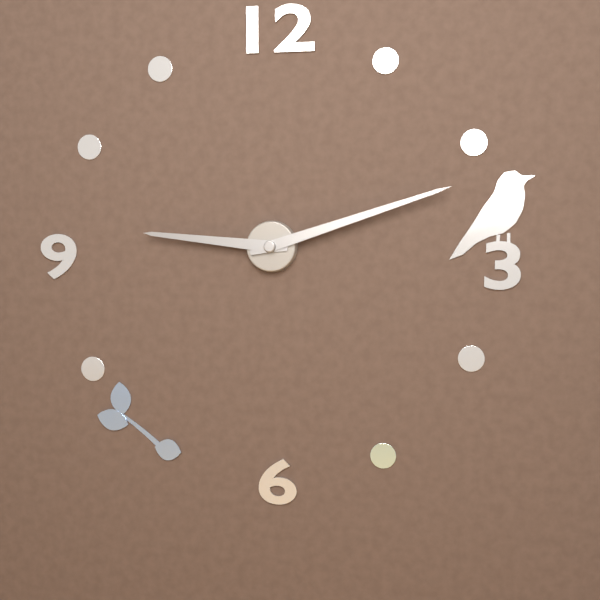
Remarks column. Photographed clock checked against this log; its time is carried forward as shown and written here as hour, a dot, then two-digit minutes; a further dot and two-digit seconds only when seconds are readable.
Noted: 9.12
